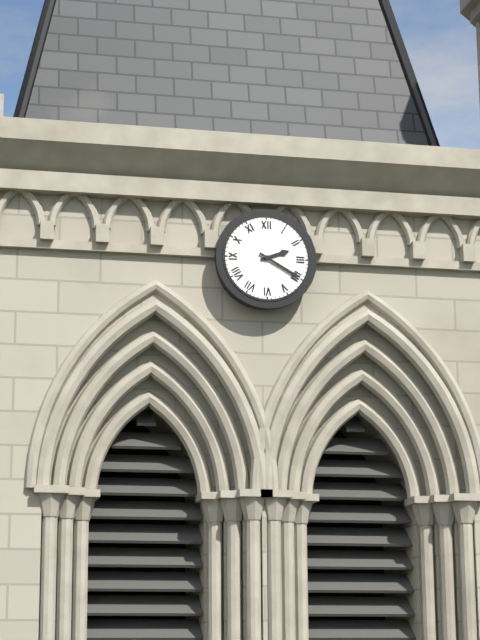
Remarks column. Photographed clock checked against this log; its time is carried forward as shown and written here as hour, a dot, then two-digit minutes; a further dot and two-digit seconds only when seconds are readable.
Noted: 2.20
